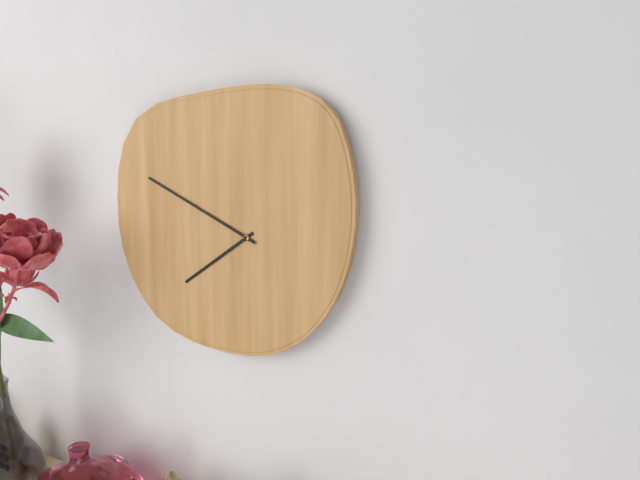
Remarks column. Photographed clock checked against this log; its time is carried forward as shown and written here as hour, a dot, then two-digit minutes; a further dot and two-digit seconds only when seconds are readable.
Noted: 7.49
